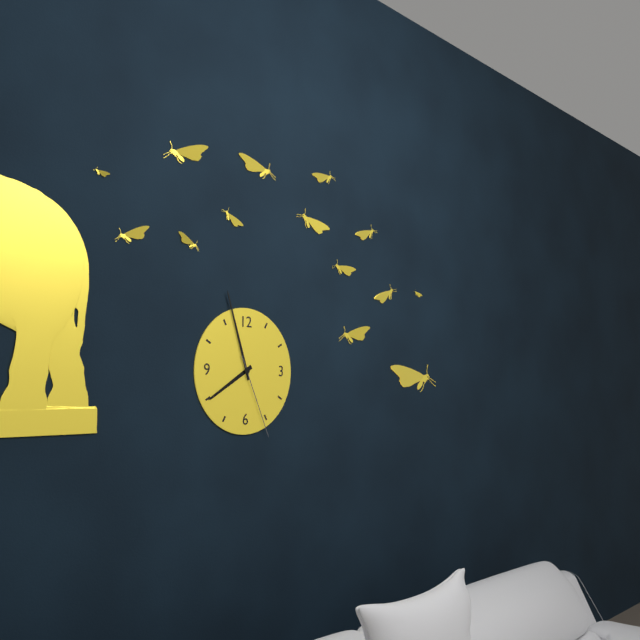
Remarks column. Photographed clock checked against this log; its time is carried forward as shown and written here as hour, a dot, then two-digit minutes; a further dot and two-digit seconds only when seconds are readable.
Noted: 7.57.26
